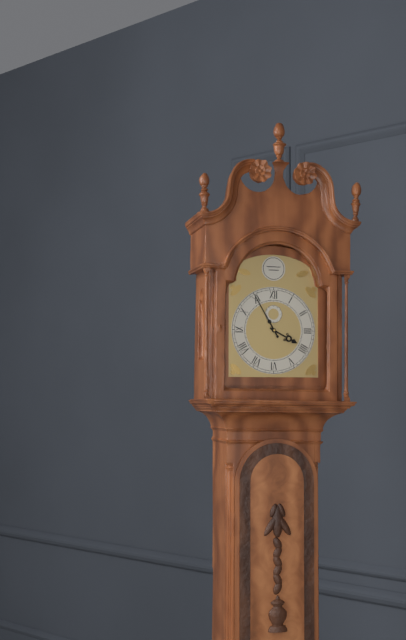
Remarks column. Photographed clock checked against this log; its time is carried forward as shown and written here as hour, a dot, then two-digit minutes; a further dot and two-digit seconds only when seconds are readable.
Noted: 3.55
